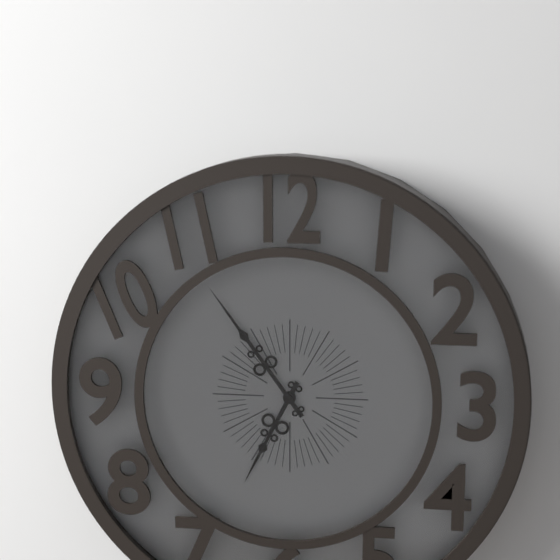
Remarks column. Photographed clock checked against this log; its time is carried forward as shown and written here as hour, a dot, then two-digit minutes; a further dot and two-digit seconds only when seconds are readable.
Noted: 6.54
